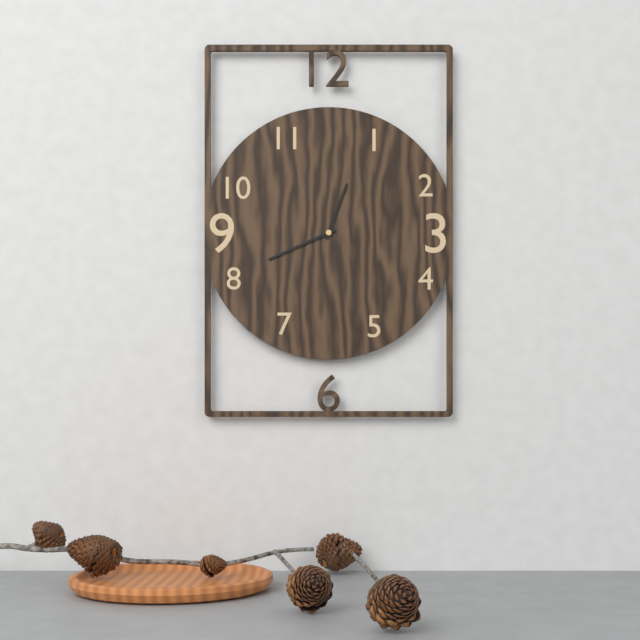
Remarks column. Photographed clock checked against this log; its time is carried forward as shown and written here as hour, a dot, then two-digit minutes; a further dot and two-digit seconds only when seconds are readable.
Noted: 12.41
